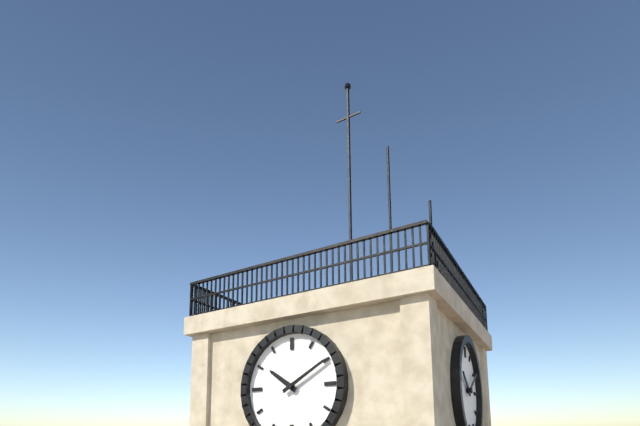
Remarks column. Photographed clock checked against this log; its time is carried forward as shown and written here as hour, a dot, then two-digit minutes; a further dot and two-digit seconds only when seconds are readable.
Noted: 10.10
